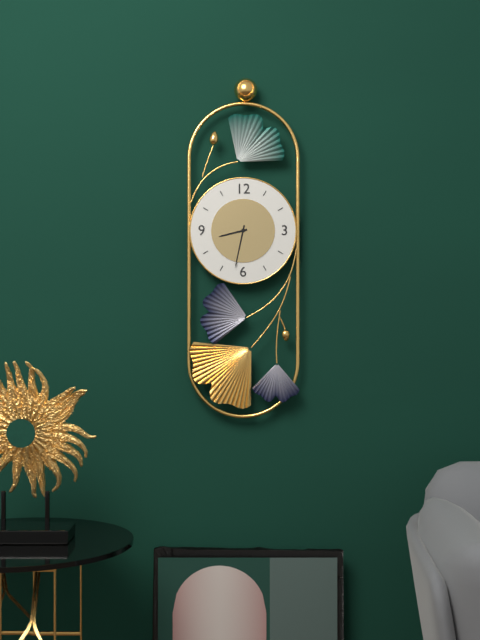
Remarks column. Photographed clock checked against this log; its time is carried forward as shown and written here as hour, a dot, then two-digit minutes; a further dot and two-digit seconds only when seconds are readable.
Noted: 8.32
